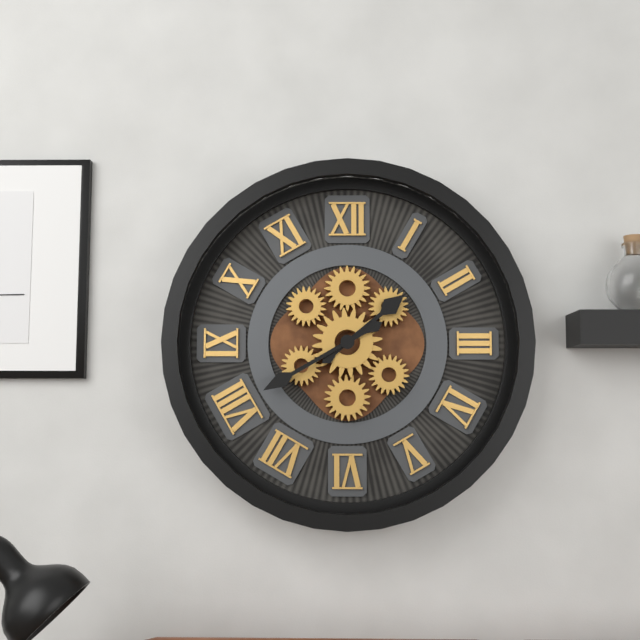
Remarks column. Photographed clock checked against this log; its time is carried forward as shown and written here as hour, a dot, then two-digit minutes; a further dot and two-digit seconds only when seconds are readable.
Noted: 1.40
